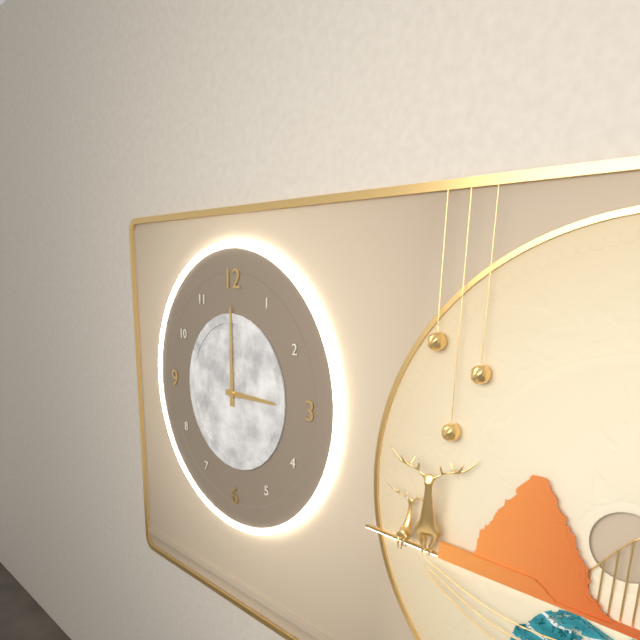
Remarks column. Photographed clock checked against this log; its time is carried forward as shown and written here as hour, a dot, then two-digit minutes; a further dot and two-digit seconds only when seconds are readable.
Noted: 3.00
